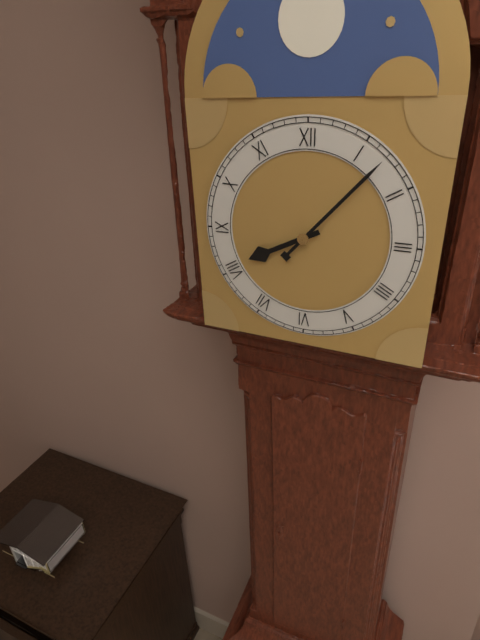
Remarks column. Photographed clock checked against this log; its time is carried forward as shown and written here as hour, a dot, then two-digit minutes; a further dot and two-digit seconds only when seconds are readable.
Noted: 8.07
